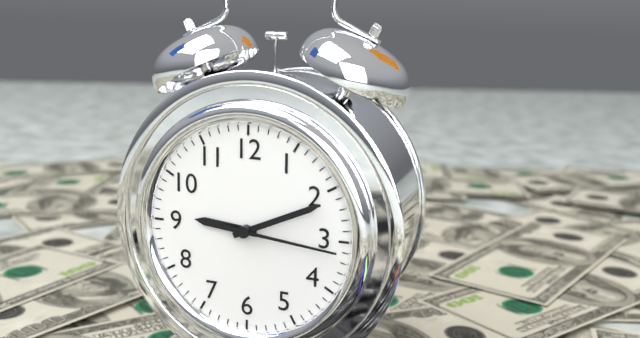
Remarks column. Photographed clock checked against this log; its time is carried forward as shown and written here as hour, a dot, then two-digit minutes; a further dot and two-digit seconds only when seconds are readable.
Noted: 9.11.16
